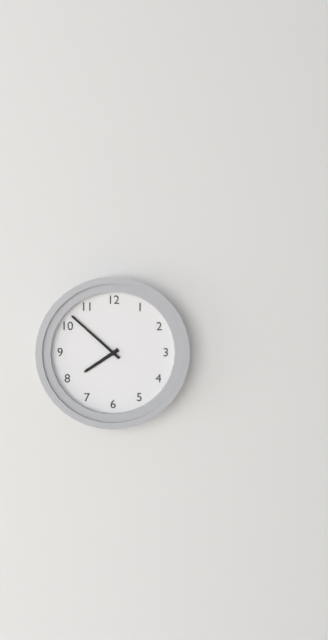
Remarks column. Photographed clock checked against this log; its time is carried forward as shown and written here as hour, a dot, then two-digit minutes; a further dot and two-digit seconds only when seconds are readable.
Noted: 7.52
